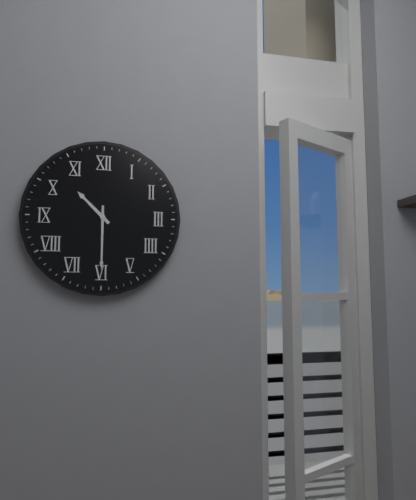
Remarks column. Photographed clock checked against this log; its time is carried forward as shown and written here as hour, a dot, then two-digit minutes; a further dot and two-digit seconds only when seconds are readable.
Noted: 10.30
